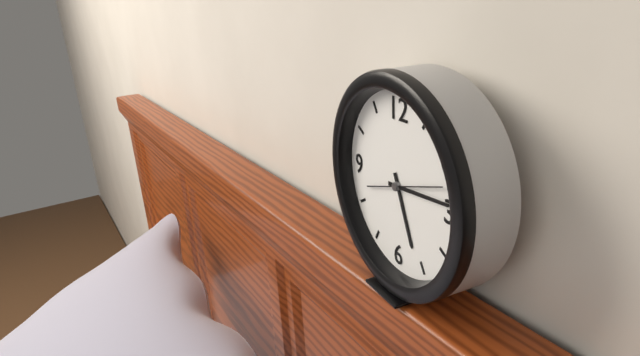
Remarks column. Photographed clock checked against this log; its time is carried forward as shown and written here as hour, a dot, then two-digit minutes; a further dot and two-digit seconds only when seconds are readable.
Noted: 5.14.12
